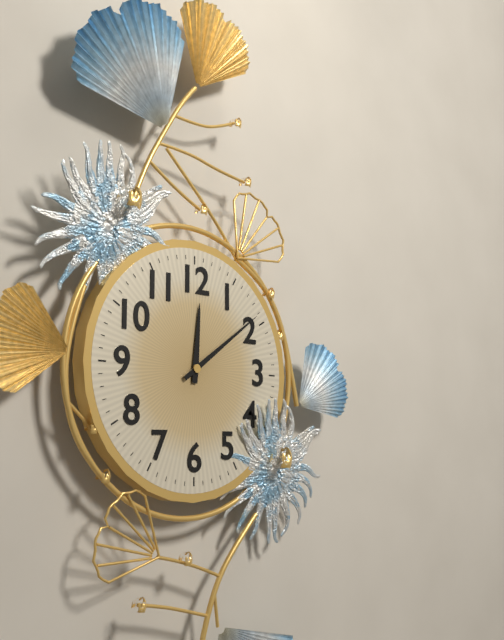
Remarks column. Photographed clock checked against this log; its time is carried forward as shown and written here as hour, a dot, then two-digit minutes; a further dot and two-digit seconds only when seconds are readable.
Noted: 12.09
